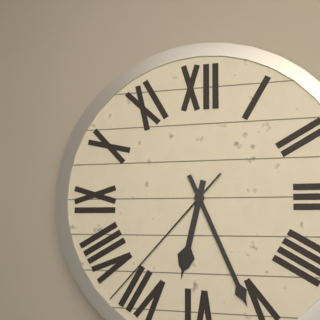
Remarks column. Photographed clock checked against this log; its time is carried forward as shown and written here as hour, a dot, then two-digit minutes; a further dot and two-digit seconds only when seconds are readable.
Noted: 6.26.37
